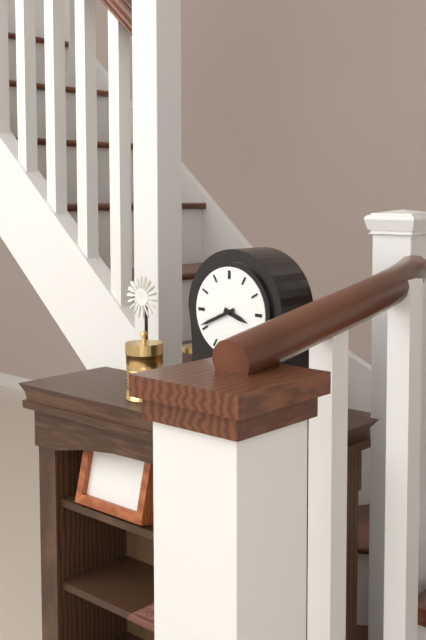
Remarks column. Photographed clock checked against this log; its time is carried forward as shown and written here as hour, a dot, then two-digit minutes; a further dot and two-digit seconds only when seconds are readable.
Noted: 3.41
